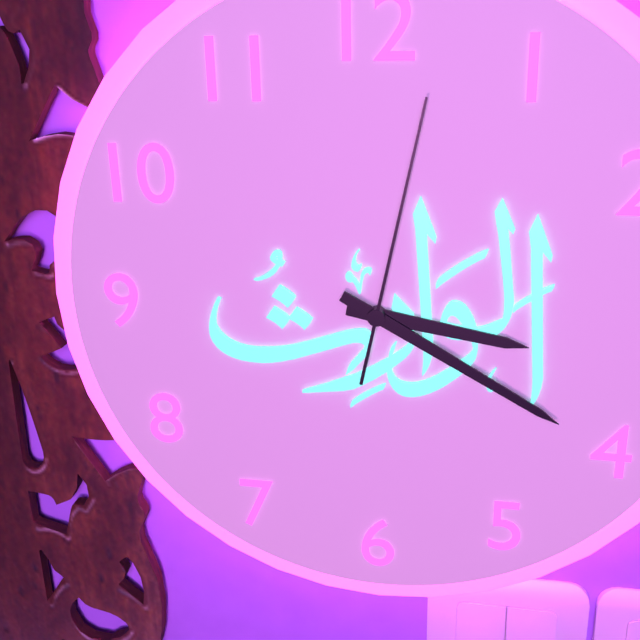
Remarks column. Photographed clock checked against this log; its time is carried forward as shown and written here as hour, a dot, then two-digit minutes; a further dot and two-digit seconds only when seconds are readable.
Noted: 3.20.02
